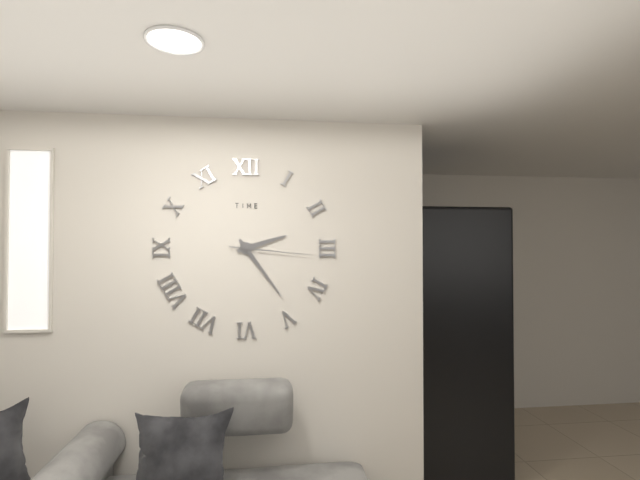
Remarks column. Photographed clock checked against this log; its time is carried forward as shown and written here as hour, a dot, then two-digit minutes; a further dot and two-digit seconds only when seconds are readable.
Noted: 2.24.16
